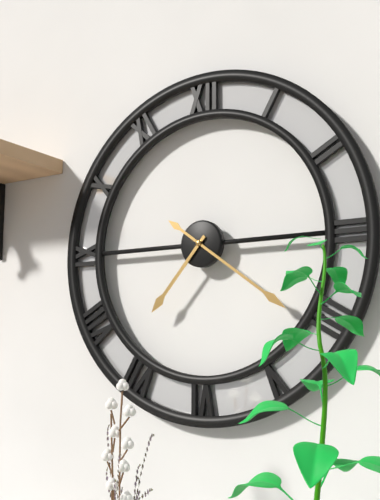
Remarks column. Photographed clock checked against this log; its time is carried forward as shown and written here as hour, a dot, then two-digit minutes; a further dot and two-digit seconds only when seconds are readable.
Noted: 7.21
